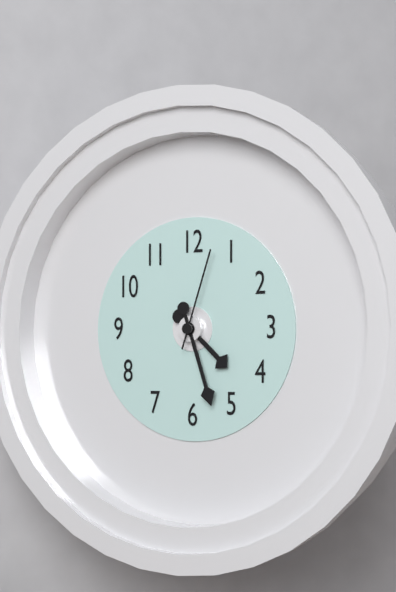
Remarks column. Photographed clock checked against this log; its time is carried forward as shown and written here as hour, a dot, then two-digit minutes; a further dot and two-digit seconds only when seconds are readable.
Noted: 4.27.03
